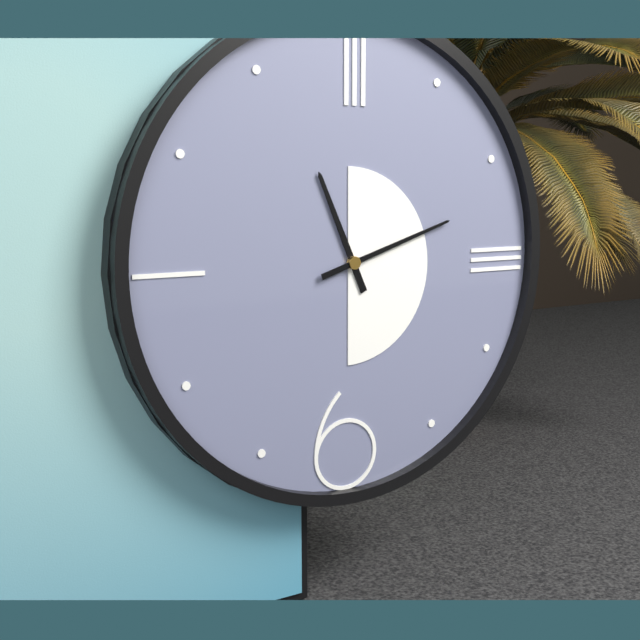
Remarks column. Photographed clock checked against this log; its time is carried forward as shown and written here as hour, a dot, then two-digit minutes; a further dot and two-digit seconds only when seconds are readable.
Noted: 11.12
